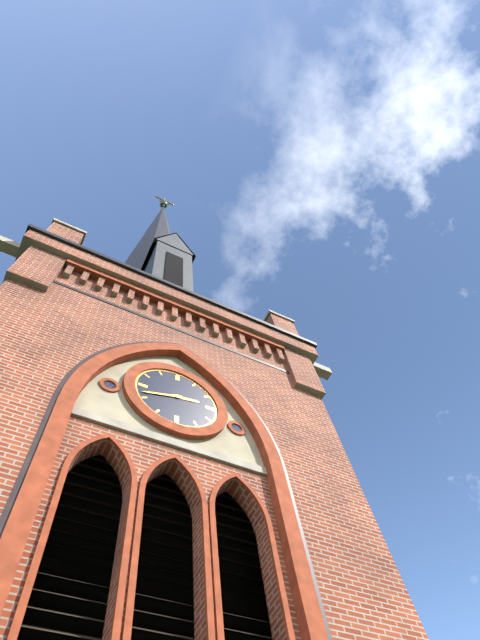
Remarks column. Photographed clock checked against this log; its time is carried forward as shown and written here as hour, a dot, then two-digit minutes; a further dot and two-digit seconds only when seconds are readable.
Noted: 2.42
